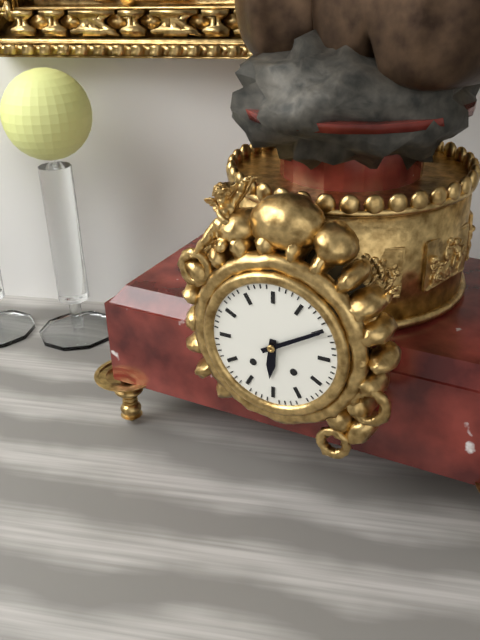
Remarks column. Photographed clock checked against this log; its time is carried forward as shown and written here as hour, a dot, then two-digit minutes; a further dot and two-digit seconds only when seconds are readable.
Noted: 6.10
